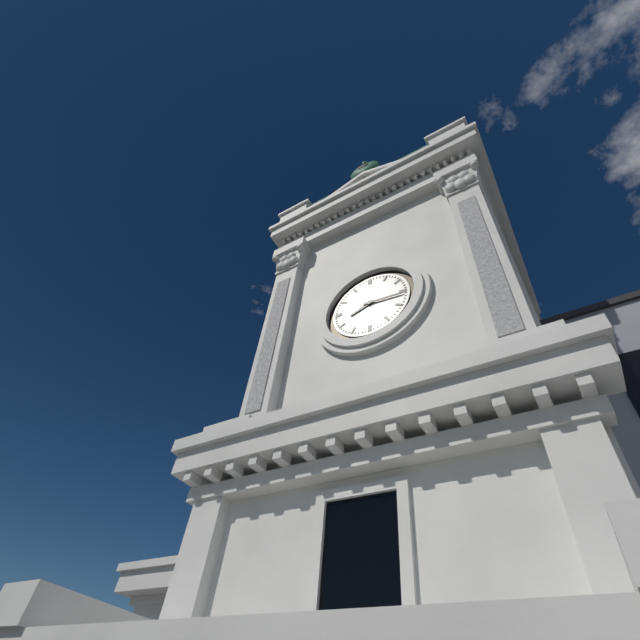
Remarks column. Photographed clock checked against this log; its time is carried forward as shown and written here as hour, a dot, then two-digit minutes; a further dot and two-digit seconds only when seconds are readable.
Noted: 8.16
